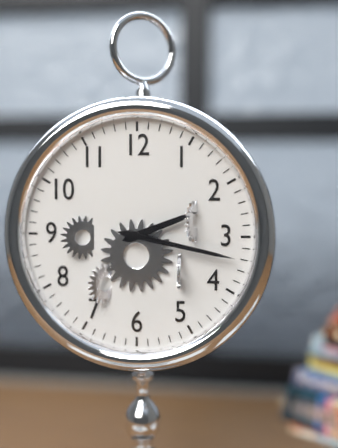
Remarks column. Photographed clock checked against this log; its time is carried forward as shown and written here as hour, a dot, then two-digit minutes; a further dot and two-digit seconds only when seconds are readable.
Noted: 2.17
